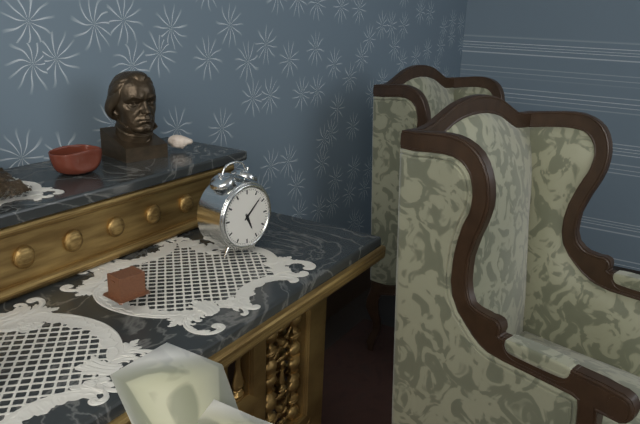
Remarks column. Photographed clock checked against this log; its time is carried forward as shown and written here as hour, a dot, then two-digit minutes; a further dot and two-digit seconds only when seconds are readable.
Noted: 5.08
